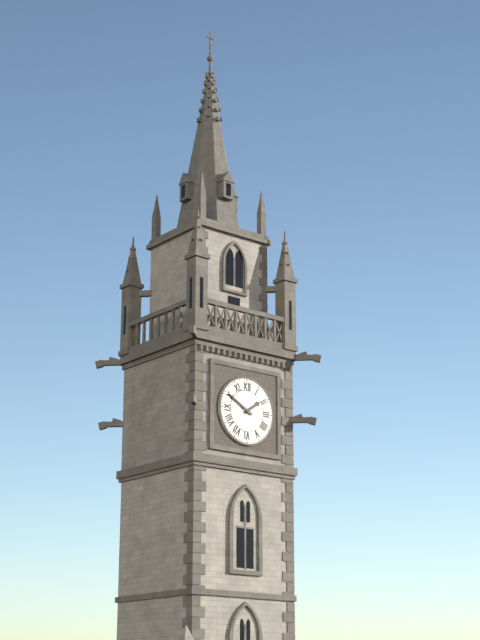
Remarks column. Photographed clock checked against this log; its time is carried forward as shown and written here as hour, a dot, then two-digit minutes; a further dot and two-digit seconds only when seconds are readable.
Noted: 1.50
